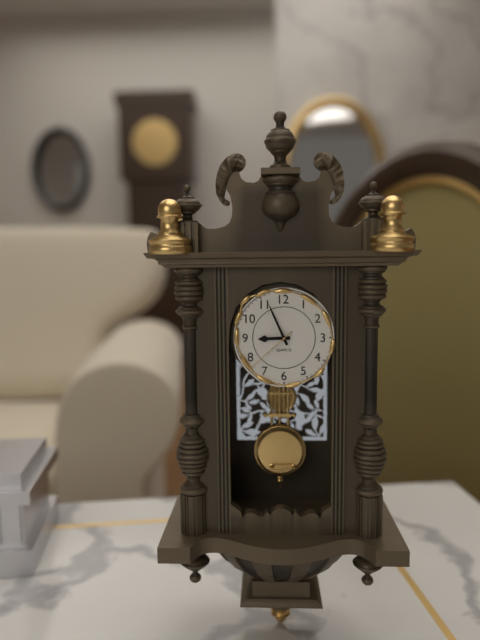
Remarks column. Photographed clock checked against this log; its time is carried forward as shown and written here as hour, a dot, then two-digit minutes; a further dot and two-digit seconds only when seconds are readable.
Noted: 8.56.38
